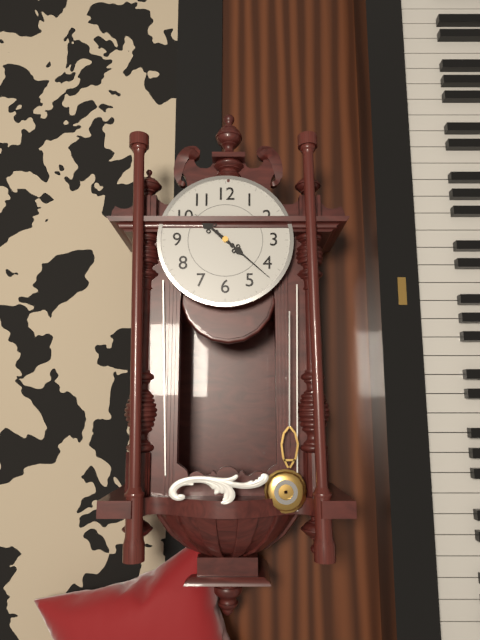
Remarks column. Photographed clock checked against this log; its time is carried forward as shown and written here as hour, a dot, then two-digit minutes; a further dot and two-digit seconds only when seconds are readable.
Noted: 10.22
